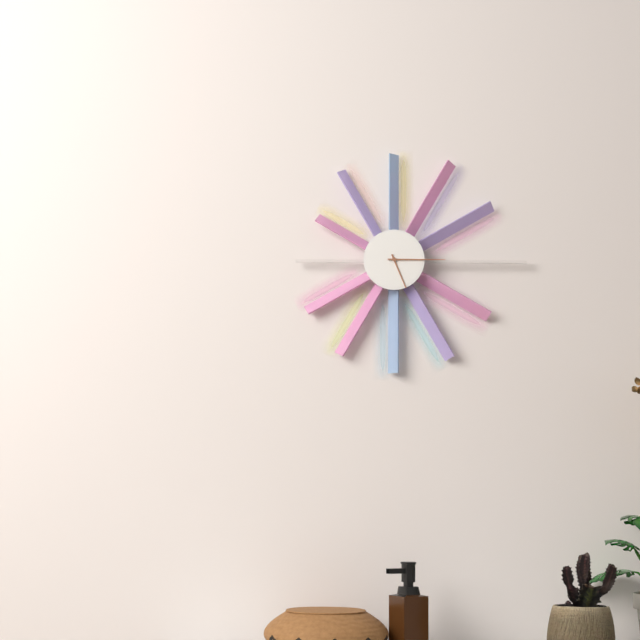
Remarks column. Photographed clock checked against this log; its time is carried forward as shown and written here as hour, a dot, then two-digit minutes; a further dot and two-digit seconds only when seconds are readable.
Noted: 5.15
